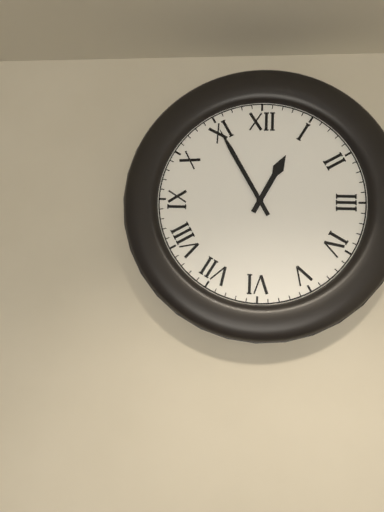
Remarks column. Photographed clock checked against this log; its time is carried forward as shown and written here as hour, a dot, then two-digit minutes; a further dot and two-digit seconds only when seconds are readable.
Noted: 12.55
